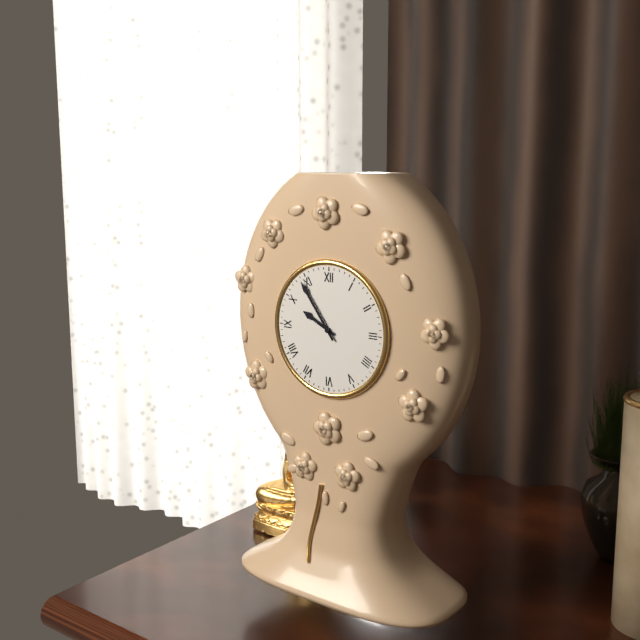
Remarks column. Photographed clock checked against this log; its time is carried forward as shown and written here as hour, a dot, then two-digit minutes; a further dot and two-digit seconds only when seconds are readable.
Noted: 9.54
